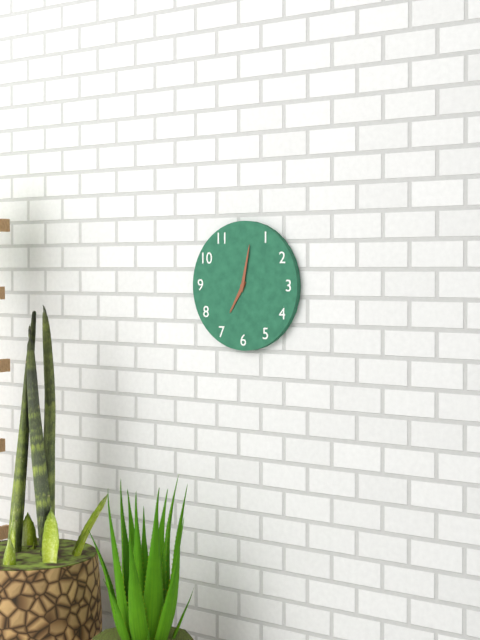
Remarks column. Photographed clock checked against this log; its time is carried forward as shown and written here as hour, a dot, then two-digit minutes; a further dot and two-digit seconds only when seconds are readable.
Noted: 7.02
